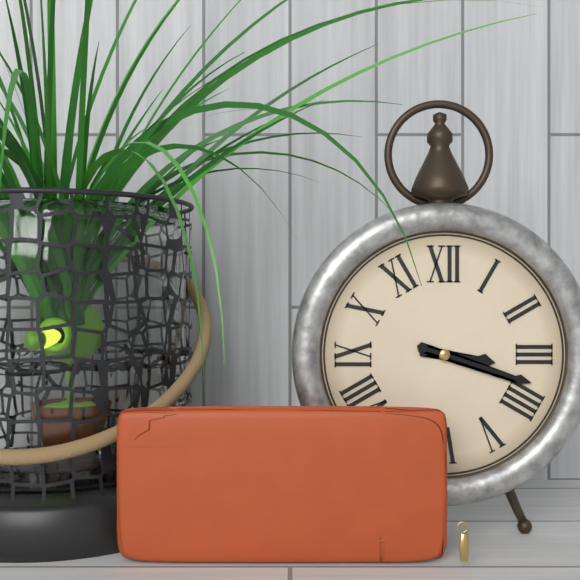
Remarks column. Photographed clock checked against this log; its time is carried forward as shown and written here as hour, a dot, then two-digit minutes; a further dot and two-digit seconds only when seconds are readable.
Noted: 3.18
